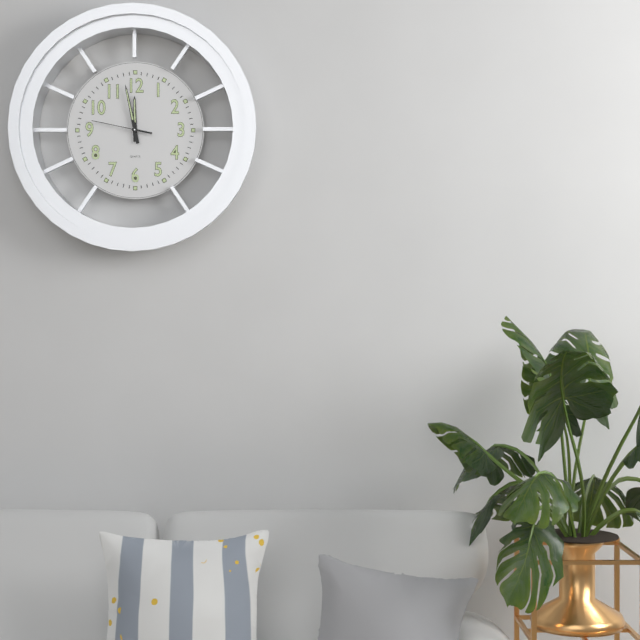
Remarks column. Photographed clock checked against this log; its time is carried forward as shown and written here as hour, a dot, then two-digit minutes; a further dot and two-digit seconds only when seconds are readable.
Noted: 11.58.47
